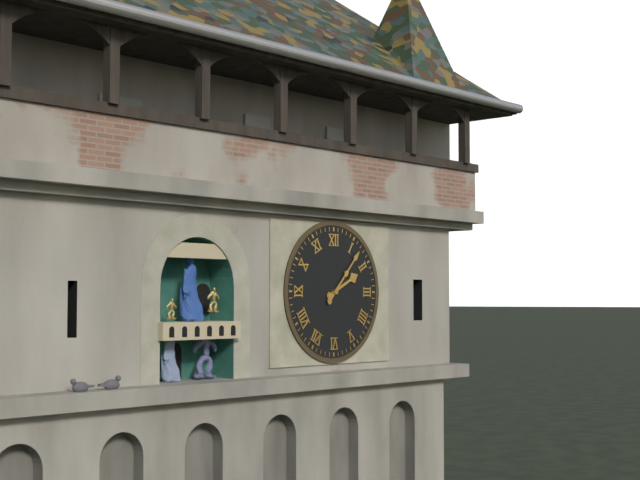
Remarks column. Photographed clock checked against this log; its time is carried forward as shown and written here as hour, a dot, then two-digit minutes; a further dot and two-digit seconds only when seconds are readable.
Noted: 2.07
